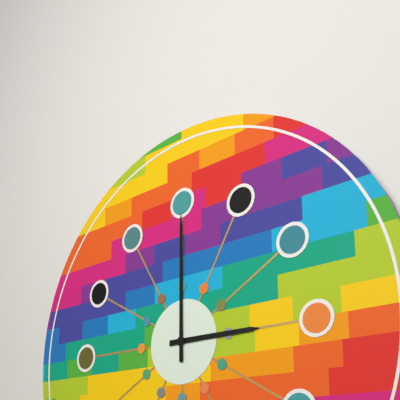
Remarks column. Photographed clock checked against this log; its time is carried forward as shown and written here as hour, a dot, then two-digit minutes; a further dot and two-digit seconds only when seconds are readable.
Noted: 3.00
